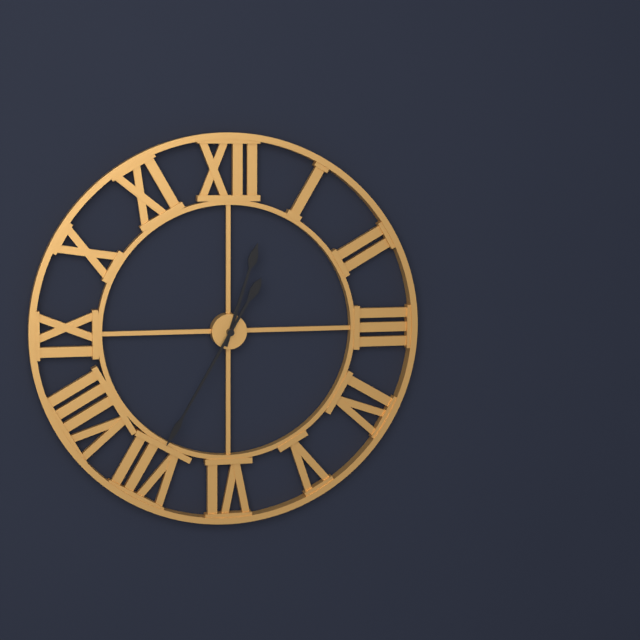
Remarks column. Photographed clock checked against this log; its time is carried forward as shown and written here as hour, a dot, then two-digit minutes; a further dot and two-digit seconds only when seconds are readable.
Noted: 12.35
